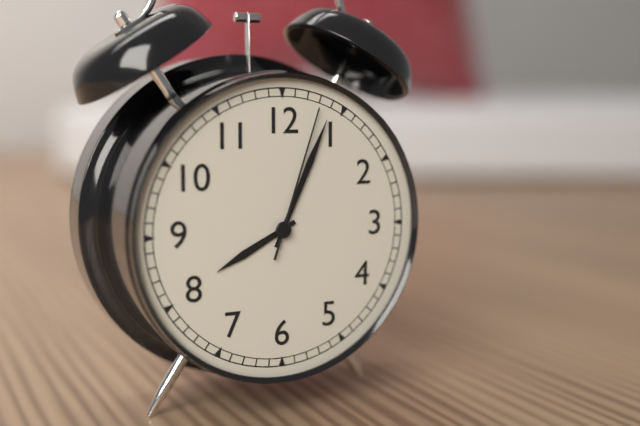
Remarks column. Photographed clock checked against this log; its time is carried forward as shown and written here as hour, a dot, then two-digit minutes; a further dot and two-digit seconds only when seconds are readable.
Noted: 8.04.03
